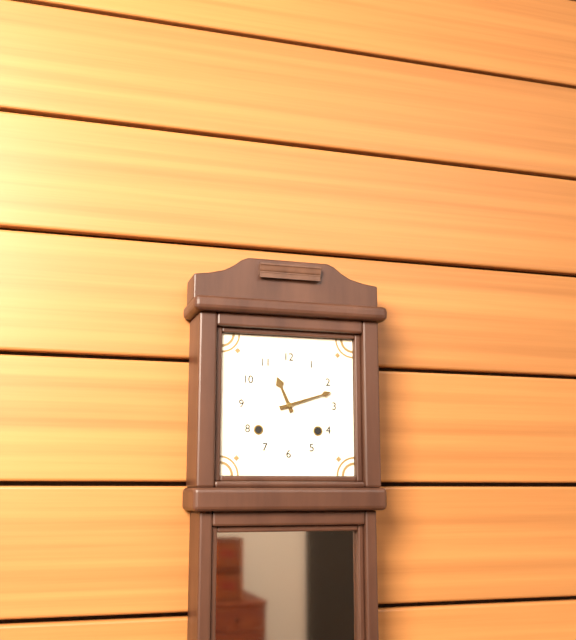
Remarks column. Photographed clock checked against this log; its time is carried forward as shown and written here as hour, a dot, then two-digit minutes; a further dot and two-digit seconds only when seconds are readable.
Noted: 11.12
